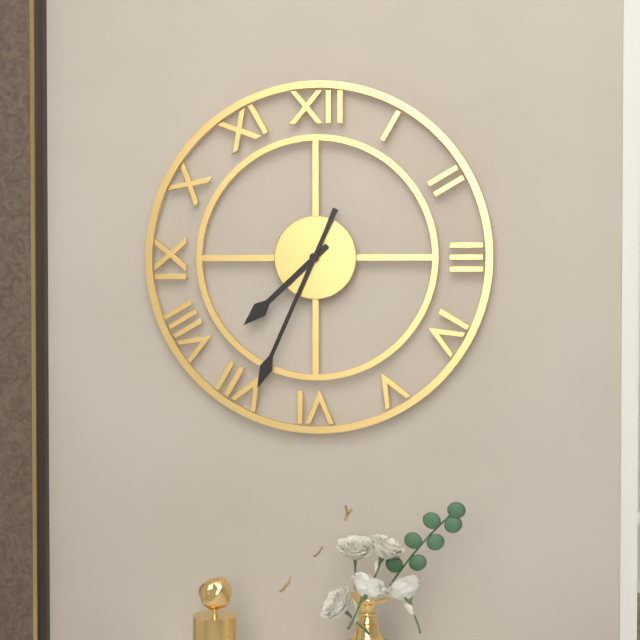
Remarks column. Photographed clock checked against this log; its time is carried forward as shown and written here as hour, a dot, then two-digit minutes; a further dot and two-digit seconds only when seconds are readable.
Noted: 7.34
